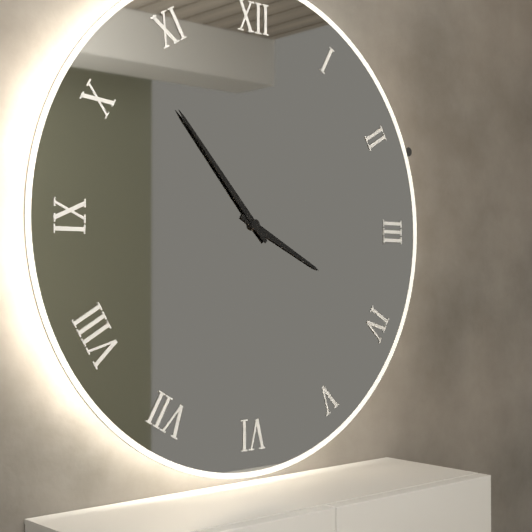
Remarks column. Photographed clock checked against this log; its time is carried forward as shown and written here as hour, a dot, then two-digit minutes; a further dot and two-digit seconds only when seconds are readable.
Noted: 3.53
